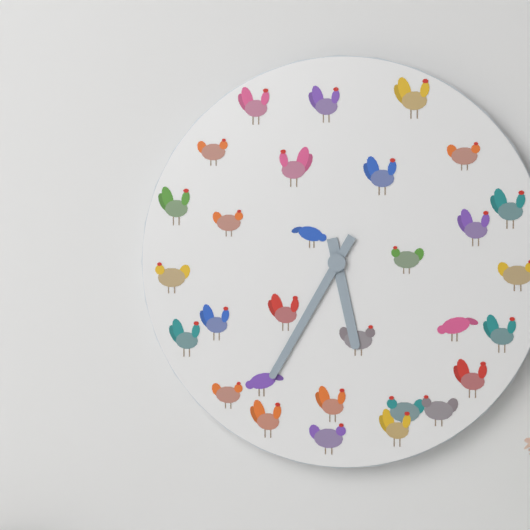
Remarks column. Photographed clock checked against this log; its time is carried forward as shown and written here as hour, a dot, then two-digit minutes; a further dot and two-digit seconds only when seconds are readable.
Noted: 5.35
